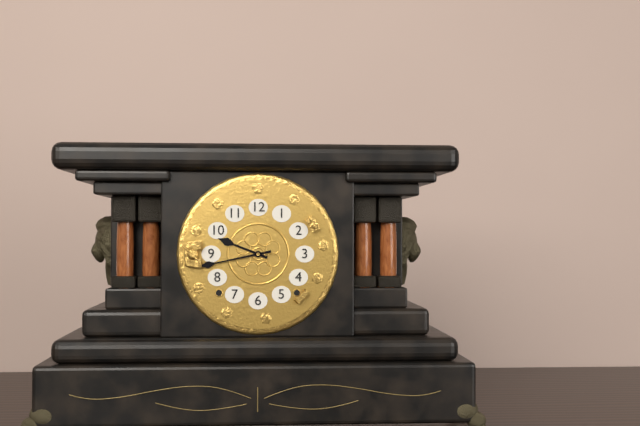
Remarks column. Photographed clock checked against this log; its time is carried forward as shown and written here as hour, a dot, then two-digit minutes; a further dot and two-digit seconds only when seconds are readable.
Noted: 9.43
